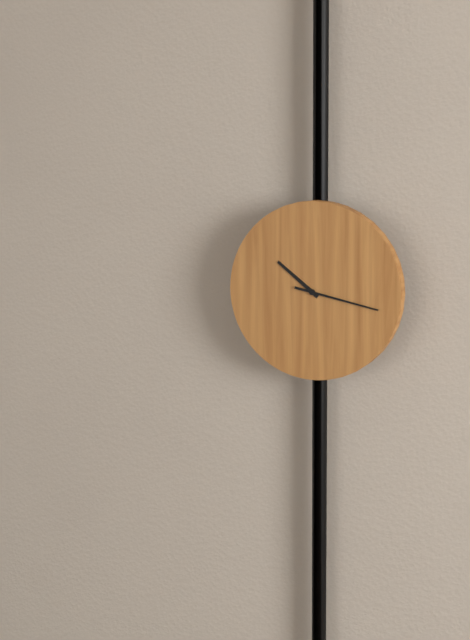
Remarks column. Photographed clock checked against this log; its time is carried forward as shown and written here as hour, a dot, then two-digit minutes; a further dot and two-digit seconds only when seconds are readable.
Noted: 10.17
